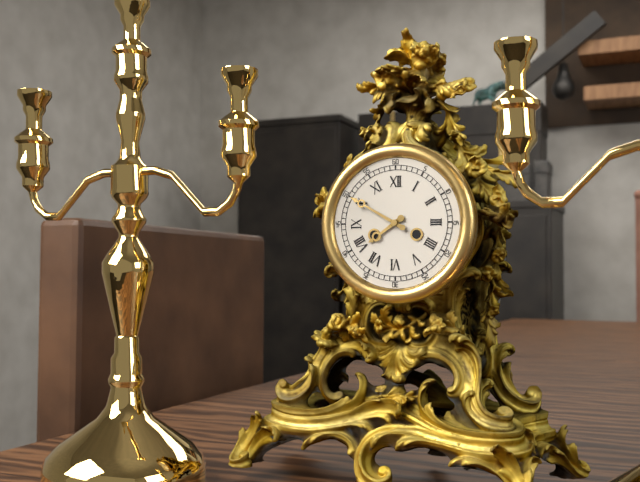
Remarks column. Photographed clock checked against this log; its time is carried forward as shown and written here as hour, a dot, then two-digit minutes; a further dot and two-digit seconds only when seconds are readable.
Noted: 7.50
